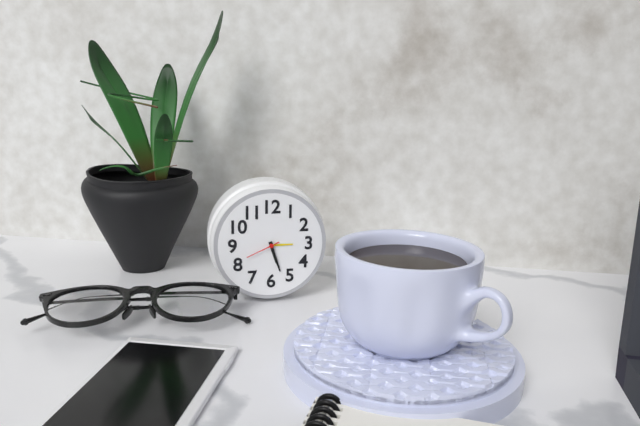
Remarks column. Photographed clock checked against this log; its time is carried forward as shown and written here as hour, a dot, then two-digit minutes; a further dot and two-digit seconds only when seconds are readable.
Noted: 5.27
